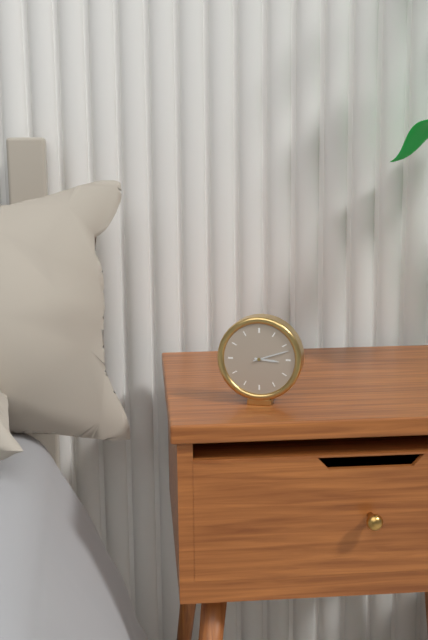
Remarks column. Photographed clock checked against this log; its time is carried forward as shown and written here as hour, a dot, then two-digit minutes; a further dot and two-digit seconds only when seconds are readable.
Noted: 3.12
